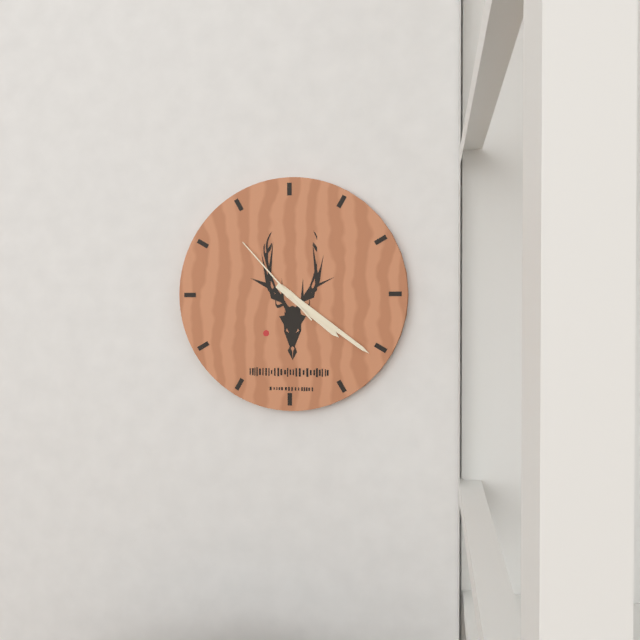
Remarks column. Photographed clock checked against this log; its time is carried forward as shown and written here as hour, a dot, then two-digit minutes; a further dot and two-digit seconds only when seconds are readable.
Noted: 4.21.53
